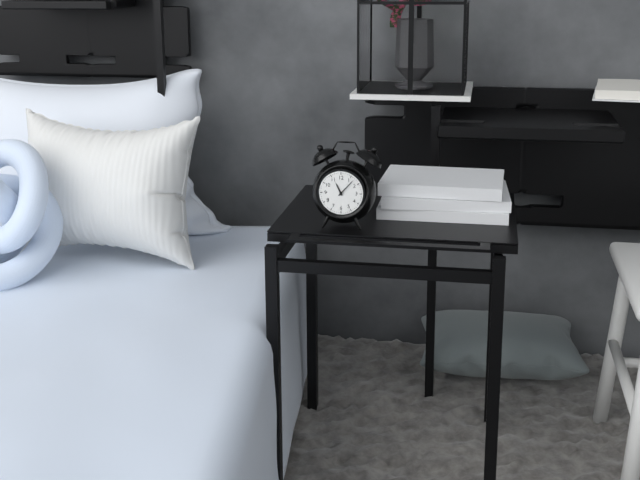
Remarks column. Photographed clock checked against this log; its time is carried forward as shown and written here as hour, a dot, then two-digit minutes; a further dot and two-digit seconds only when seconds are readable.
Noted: 11.07
